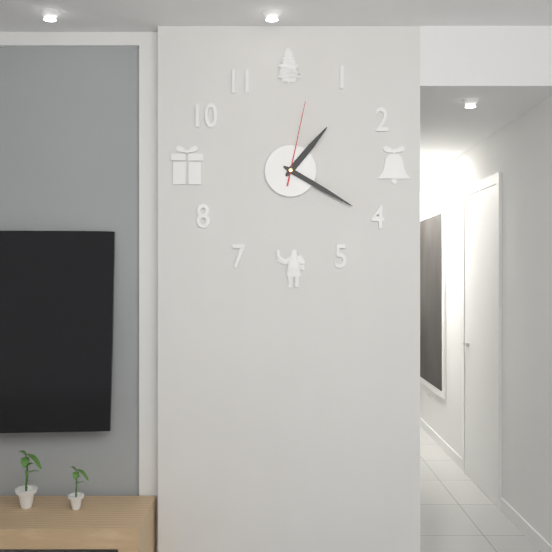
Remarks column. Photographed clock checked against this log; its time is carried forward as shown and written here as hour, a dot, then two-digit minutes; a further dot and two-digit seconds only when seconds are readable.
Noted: 1.20.02
